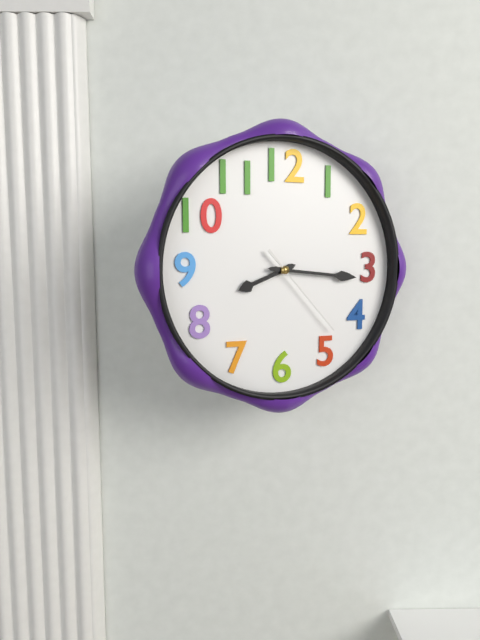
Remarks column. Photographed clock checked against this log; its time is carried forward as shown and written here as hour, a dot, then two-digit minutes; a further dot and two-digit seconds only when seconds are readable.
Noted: 8.16.23
